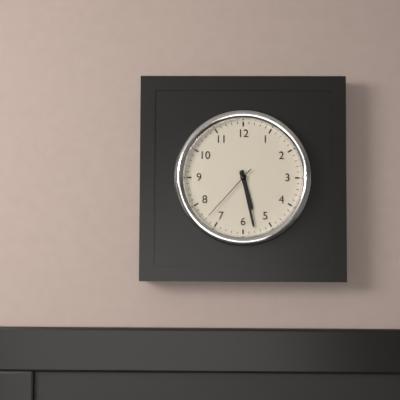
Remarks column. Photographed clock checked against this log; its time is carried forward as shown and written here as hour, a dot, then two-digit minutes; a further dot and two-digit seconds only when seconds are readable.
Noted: 5.28.37
